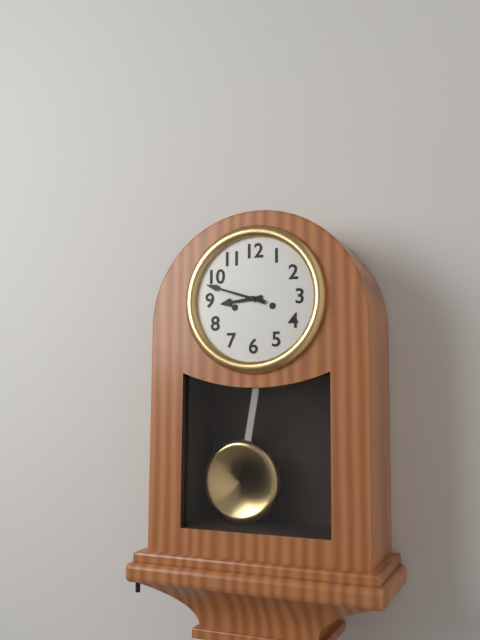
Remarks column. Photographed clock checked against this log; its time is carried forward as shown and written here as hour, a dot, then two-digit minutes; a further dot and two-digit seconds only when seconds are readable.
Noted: 8.48
